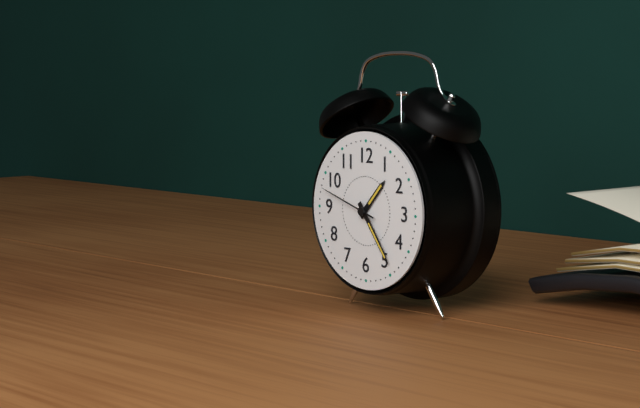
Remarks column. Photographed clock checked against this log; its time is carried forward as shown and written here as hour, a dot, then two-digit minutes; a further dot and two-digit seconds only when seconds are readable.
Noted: 1.24.48
